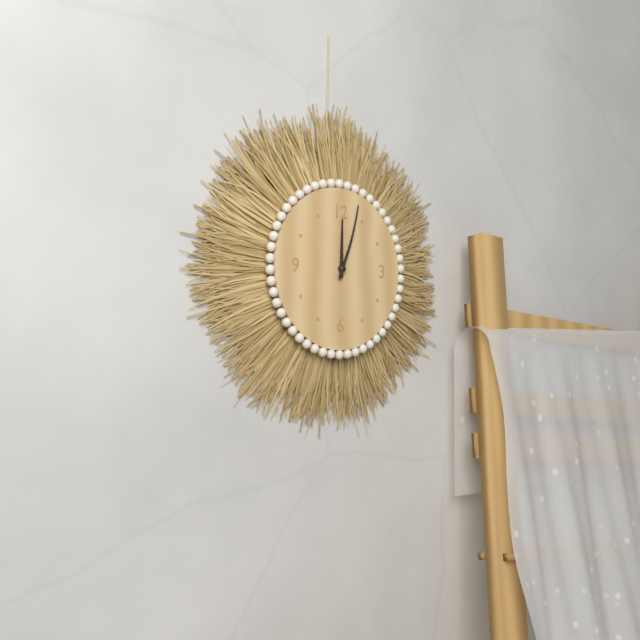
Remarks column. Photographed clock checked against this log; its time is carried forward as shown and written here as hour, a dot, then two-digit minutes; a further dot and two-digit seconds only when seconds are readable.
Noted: 12.03
